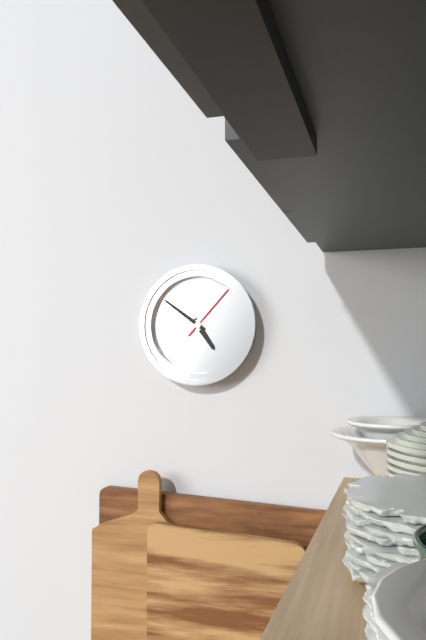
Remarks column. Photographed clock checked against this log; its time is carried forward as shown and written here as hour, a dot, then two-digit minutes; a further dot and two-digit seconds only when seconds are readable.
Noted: 4.51.07
